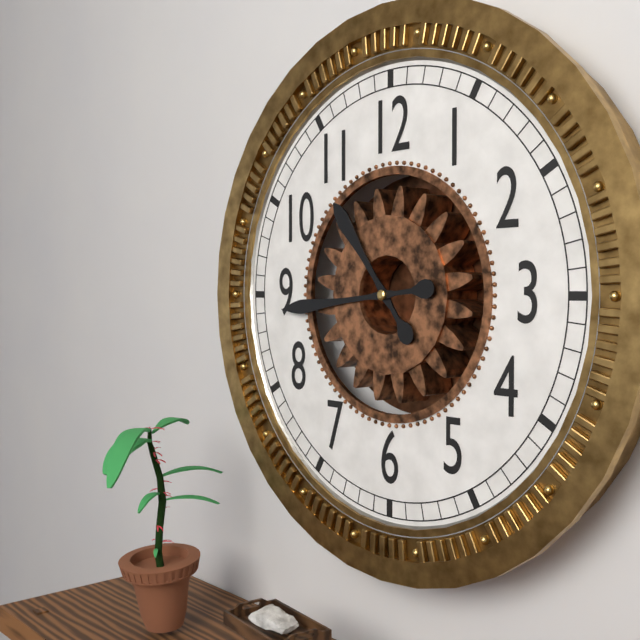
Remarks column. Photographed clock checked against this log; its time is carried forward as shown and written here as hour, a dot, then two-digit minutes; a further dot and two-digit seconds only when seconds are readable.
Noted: 10.44
